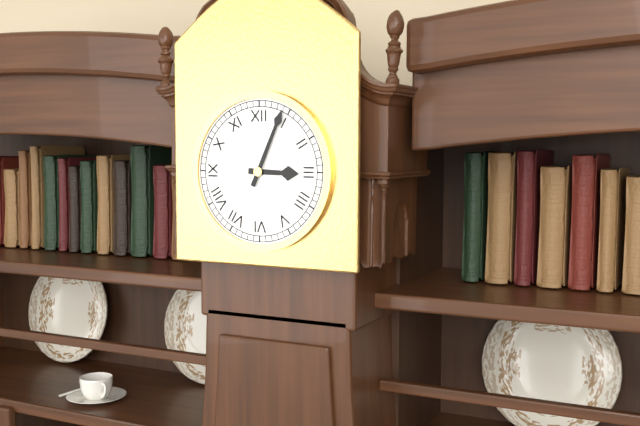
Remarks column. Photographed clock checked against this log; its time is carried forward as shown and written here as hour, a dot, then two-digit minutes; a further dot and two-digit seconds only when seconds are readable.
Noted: 3.04
